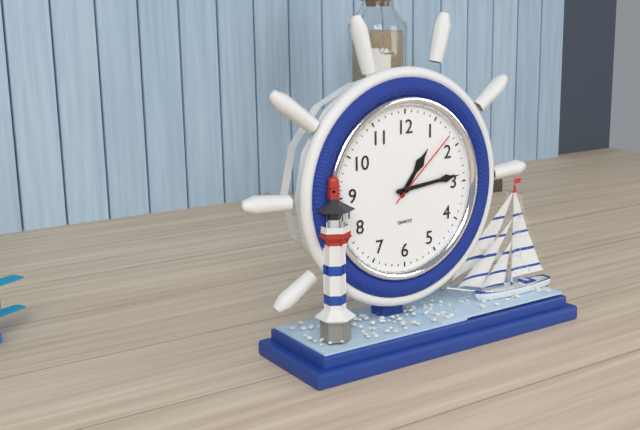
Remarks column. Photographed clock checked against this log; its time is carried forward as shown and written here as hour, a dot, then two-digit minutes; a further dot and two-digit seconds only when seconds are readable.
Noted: 1.14.08
